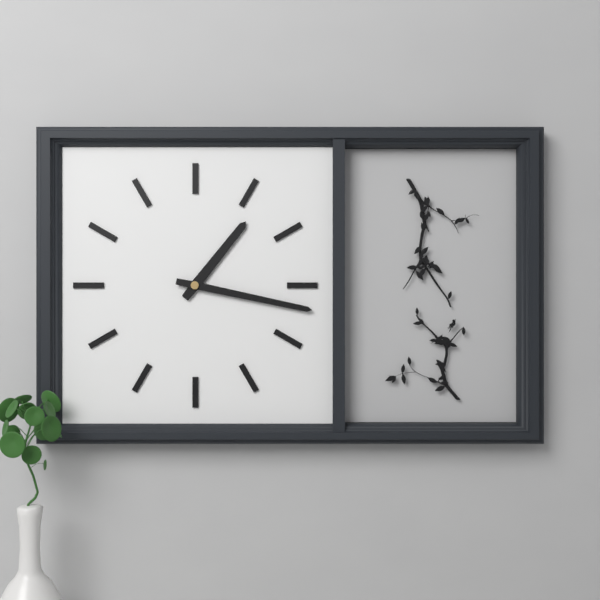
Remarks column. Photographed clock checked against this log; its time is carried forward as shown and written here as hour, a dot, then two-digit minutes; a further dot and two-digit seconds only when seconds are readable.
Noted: 1.17
